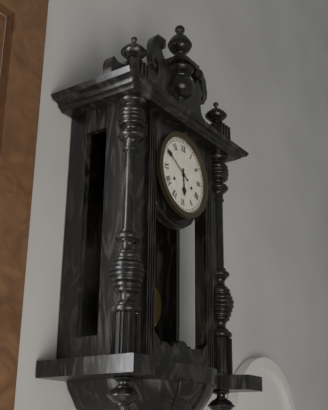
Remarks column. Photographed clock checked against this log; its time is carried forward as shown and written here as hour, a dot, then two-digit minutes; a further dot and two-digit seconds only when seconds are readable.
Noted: 5.50
